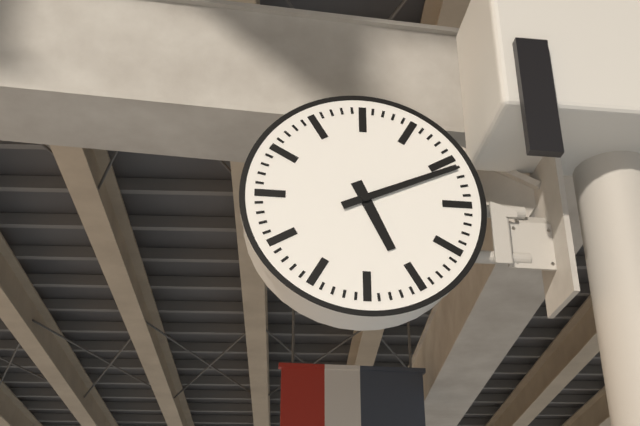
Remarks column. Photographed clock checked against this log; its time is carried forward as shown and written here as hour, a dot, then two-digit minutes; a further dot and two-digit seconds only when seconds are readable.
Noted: 5.11
